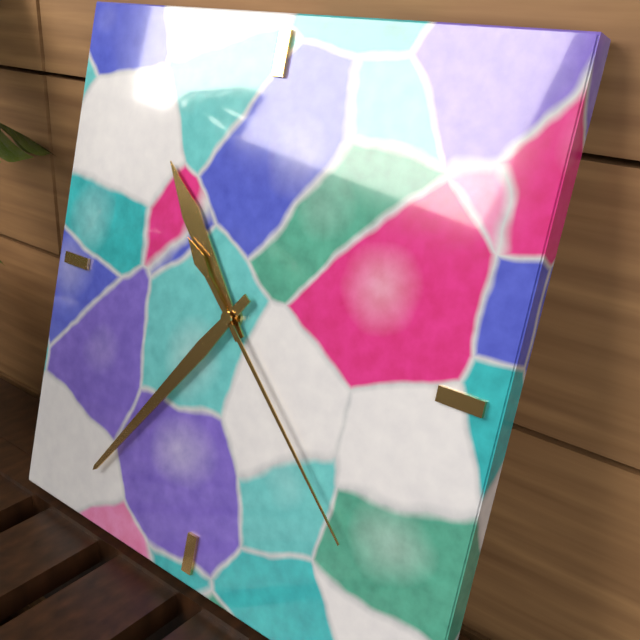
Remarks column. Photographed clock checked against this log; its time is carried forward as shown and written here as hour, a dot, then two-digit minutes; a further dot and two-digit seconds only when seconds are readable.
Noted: 10.36.22
